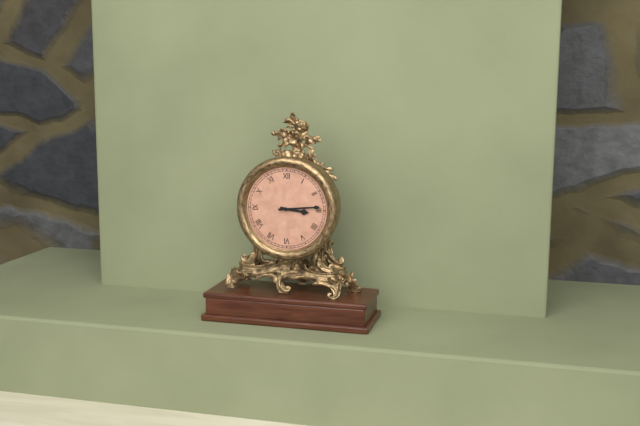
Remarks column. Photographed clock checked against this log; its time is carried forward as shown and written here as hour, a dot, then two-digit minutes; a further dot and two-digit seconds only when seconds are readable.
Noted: 3.14
